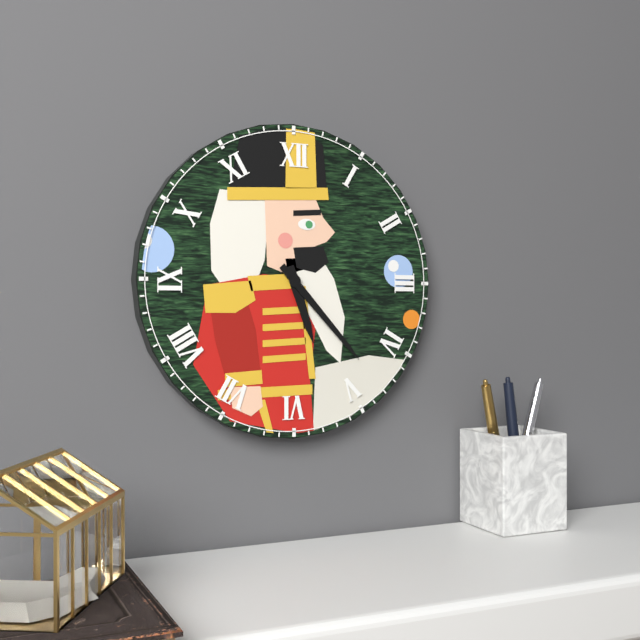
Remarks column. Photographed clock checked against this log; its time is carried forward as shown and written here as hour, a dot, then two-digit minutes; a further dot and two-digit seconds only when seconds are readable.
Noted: 5.23
